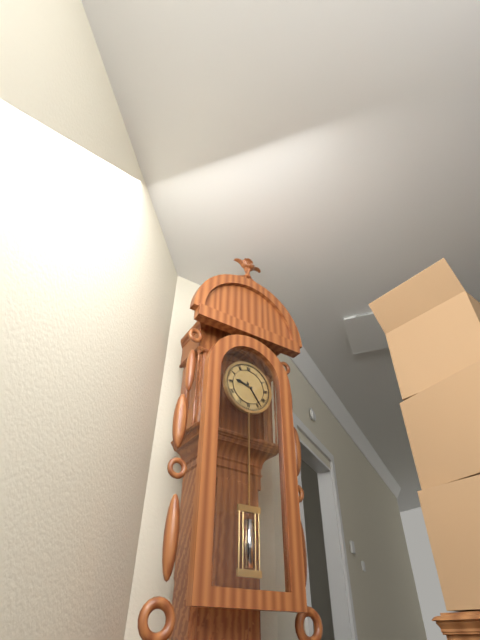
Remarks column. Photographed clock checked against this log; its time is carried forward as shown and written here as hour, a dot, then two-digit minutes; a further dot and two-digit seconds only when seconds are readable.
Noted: 9.24
